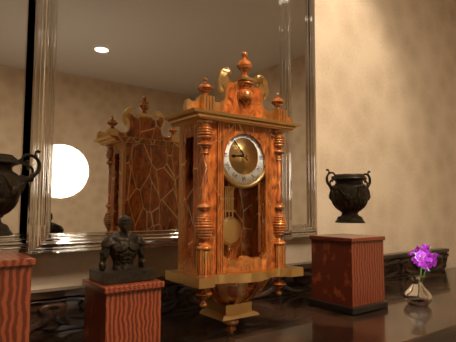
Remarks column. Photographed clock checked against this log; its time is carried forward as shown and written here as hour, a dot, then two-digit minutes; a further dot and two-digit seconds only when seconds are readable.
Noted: 8.53
